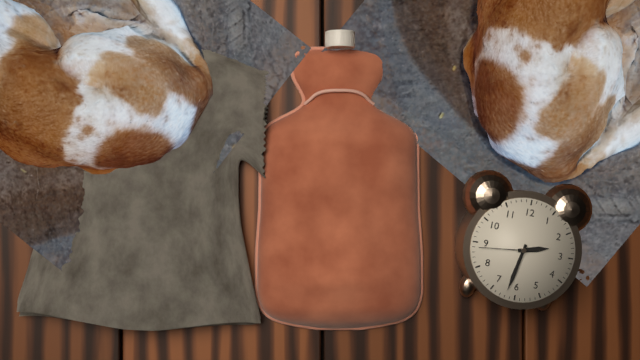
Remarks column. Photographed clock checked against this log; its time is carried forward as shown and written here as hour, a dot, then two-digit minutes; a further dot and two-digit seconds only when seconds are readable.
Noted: 2.32.44
